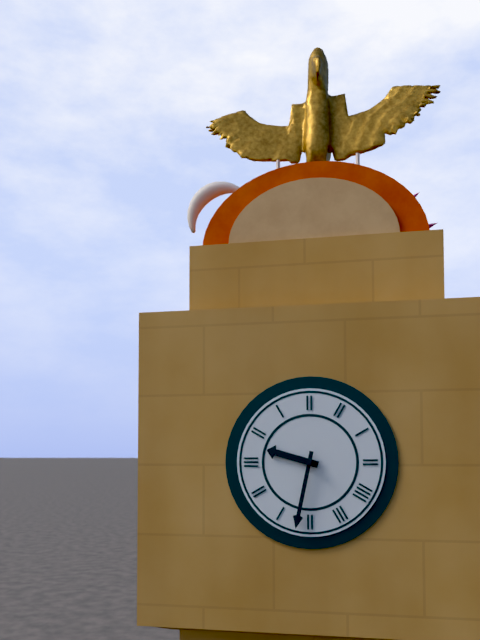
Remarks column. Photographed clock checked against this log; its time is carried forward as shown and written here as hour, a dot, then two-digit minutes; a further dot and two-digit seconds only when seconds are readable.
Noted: 9.32
